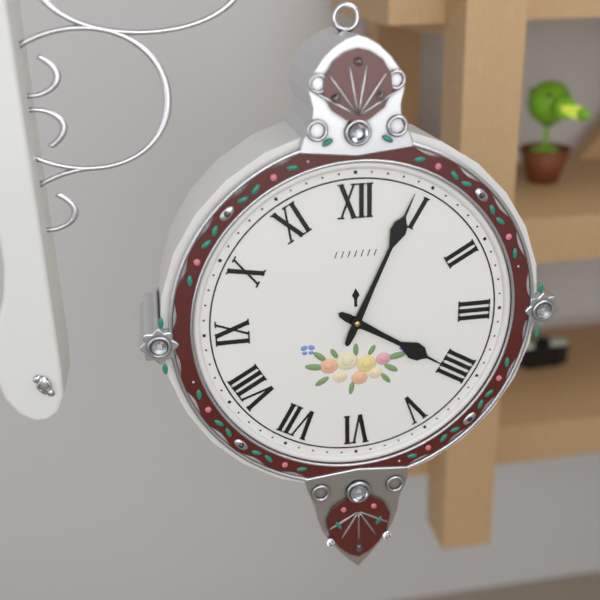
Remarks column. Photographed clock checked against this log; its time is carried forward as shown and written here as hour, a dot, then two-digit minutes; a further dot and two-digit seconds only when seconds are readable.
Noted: 4.04
